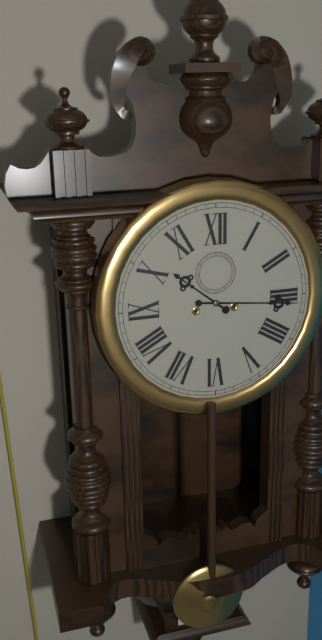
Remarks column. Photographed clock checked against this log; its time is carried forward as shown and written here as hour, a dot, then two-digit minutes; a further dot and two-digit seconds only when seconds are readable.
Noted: 10.16
